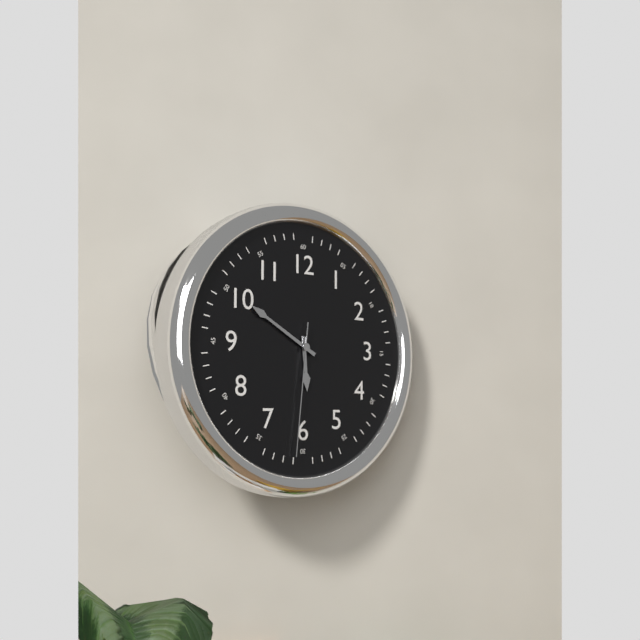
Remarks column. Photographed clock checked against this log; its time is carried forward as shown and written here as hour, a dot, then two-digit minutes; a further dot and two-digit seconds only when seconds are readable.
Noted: 5.50.31
